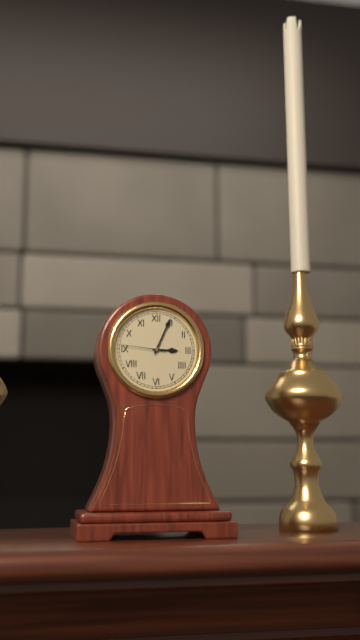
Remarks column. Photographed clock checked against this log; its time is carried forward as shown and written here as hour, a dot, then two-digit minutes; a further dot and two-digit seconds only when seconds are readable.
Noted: 3.04
